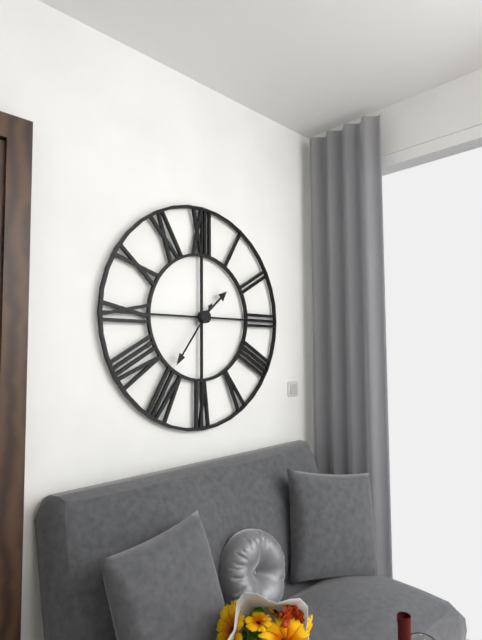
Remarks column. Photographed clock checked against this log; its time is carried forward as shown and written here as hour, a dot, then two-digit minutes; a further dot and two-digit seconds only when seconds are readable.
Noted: 1.36
